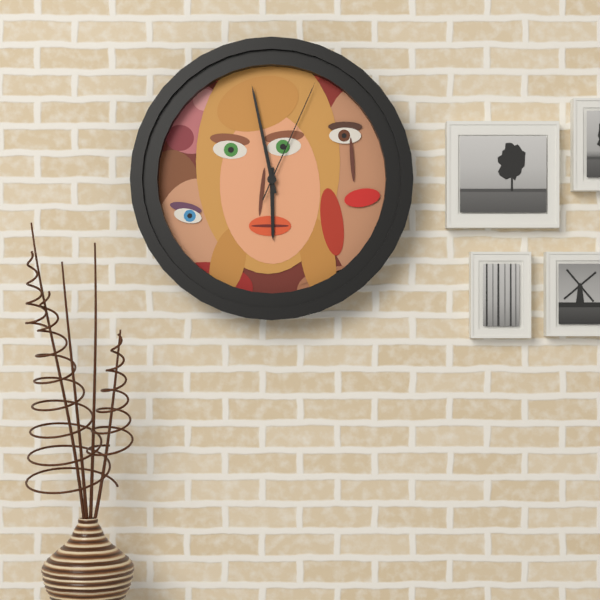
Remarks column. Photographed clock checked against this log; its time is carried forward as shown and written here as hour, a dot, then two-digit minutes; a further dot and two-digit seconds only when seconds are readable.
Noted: 5.58.04
